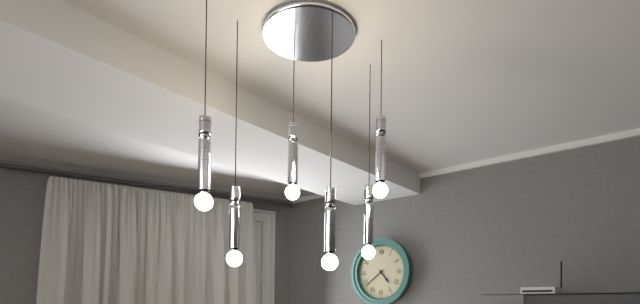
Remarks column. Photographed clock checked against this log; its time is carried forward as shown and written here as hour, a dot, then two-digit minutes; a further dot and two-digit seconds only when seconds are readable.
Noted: 4.39
